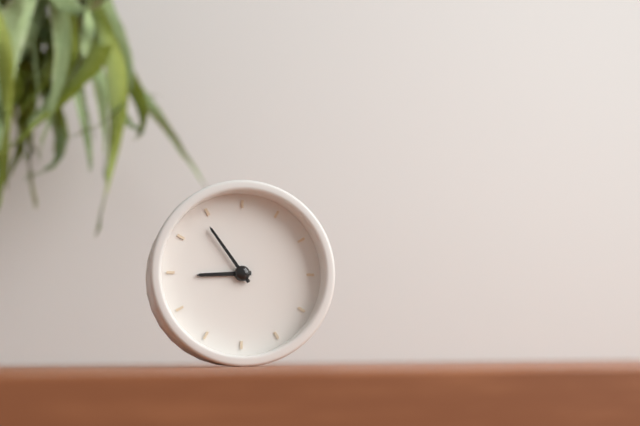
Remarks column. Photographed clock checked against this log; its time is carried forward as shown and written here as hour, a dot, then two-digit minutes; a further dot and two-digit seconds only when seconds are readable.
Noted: 8.54
